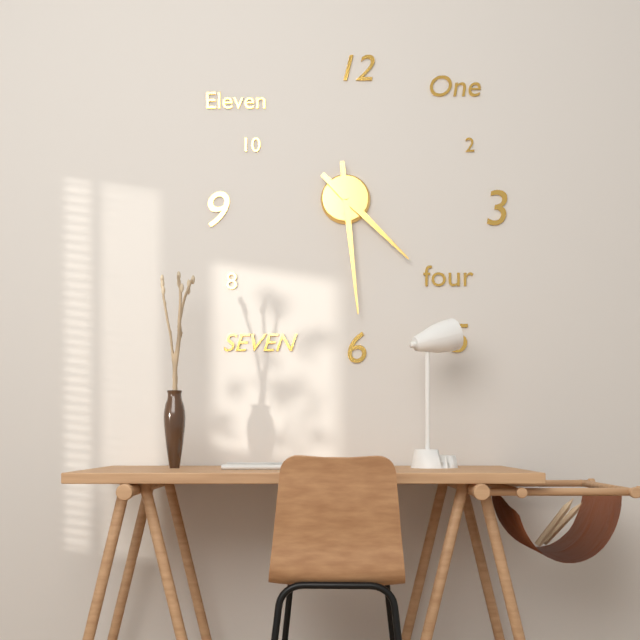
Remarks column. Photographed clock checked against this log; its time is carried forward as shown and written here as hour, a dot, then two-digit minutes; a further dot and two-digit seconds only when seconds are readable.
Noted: 4.29
